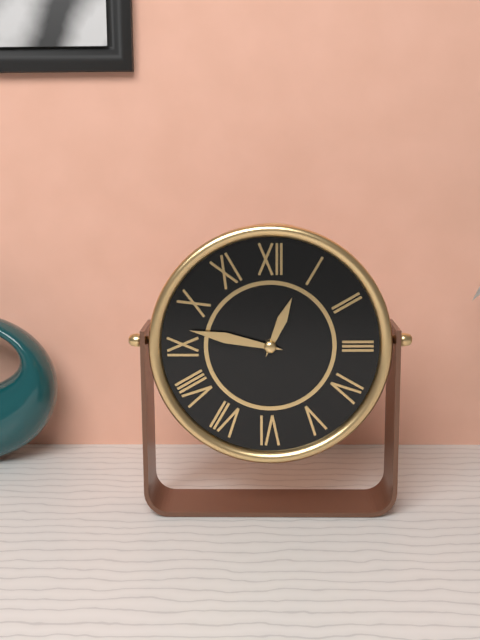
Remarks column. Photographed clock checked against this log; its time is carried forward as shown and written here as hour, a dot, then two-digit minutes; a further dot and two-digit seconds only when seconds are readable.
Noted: 12.47
